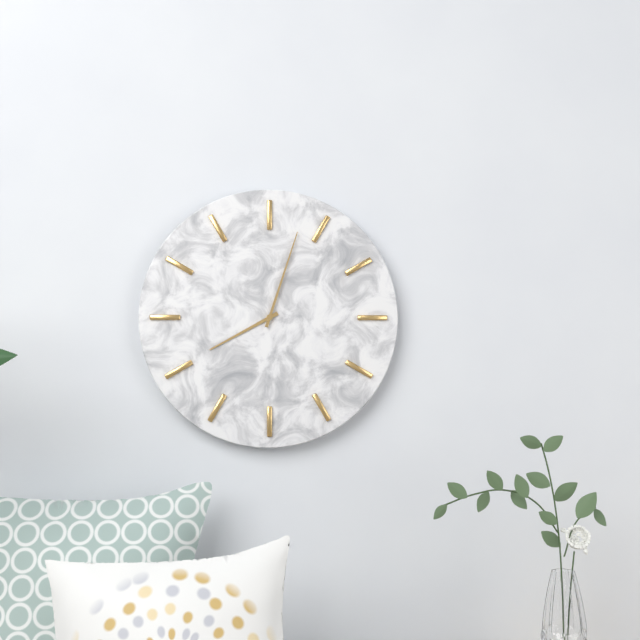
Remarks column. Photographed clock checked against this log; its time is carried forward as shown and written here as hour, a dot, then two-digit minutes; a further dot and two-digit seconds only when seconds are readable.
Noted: 8.03
